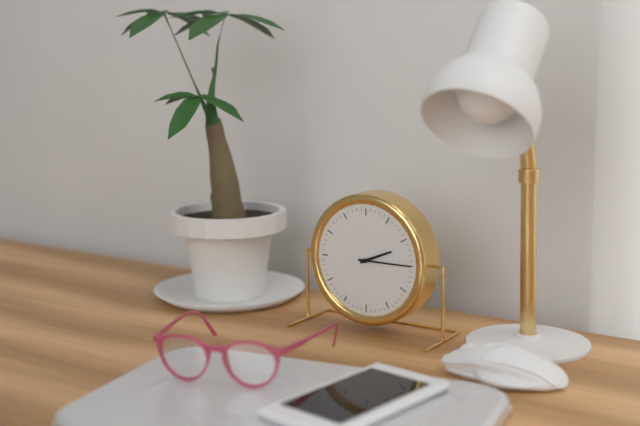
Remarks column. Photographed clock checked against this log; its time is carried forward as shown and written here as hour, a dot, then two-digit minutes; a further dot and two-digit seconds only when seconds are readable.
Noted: 2.15
